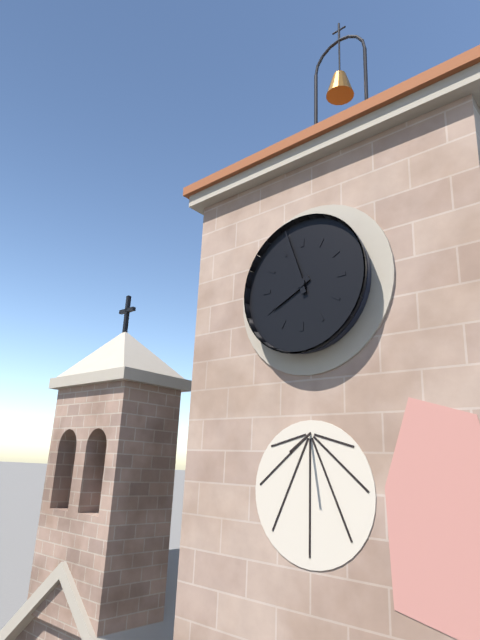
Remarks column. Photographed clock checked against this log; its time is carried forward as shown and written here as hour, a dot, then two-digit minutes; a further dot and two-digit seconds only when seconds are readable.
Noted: 7.57
